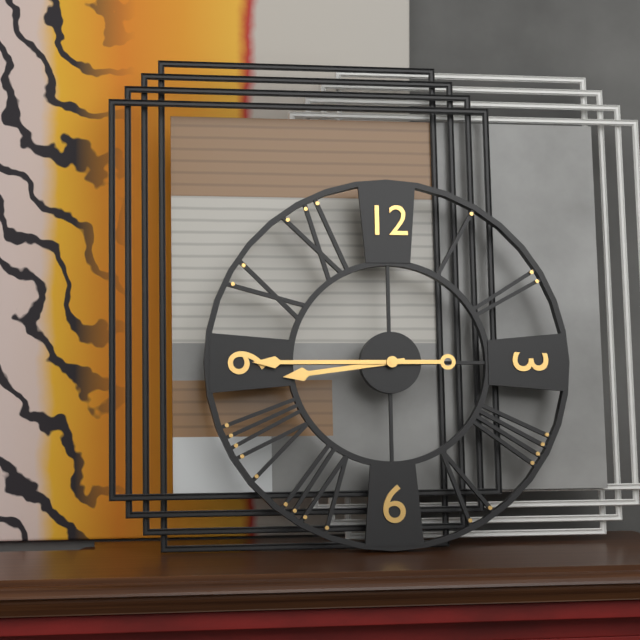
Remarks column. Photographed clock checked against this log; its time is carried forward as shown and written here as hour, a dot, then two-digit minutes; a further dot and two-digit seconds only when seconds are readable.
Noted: 8.45
